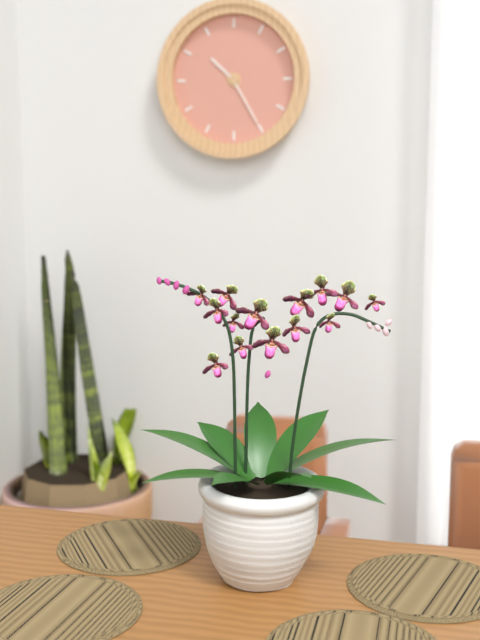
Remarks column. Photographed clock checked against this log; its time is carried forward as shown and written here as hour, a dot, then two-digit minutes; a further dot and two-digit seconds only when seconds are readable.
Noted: 10.25
